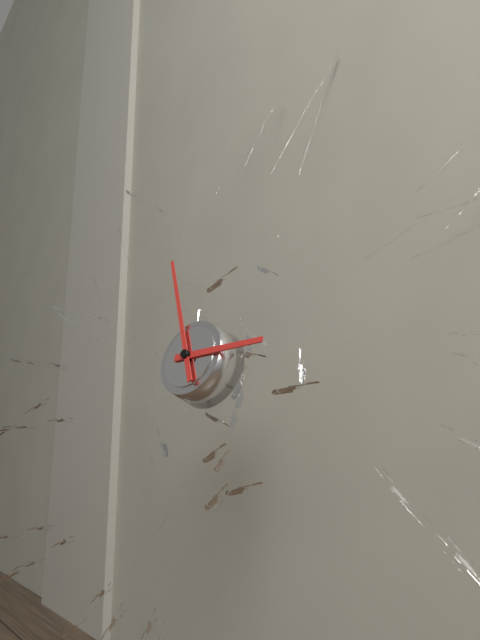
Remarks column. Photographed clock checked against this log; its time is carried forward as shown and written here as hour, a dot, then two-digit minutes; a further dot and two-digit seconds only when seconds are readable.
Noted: 2.56
